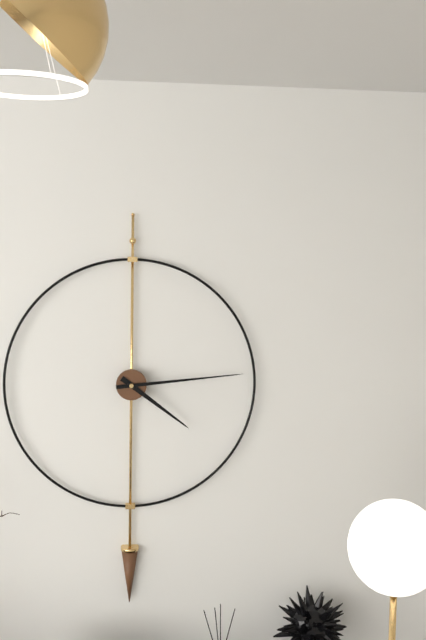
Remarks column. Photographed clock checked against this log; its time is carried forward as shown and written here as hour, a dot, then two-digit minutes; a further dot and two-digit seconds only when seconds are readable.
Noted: 4.14
